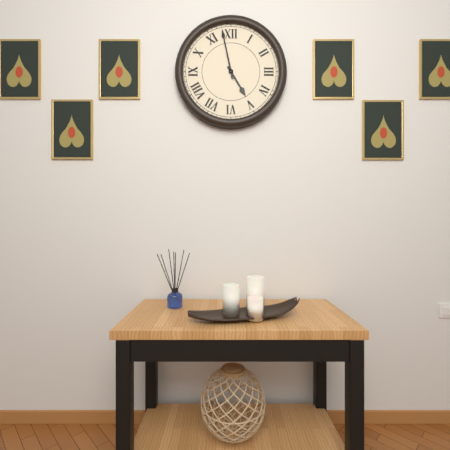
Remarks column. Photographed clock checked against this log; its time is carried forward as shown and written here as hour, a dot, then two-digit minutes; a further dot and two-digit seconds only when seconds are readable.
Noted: 4.58
